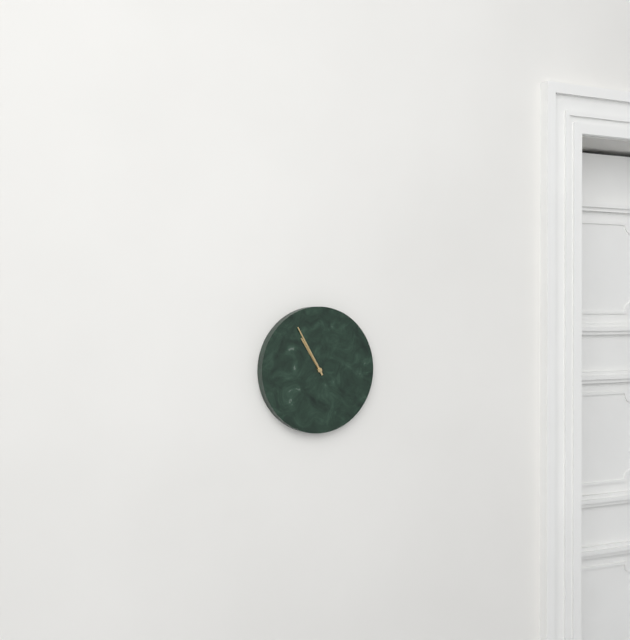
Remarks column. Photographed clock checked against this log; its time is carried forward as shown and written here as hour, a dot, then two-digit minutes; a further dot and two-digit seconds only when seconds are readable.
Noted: 10.55
